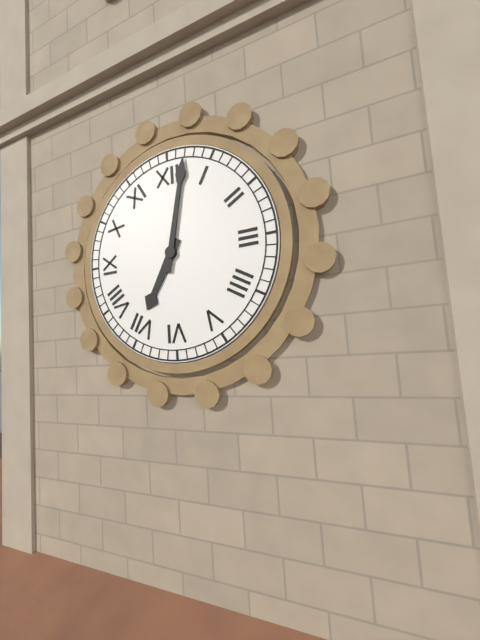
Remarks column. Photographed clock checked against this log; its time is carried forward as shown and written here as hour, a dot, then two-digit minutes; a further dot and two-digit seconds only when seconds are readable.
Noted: 7.02
